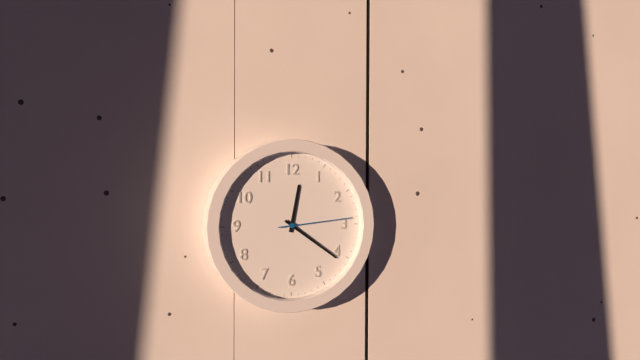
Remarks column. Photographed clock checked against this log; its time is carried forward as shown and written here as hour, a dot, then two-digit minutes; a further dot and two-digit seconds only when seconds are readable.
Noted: 12.21.14
